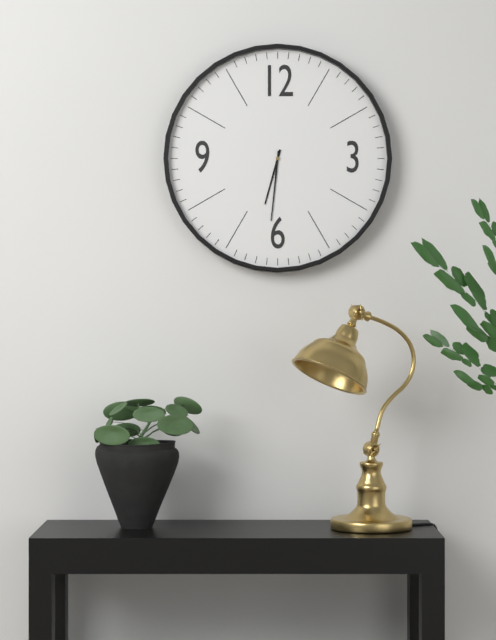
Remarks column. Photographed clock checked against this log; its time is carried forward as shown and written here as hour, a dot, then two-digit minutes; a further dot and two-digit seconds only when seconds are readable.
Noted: 6.31
